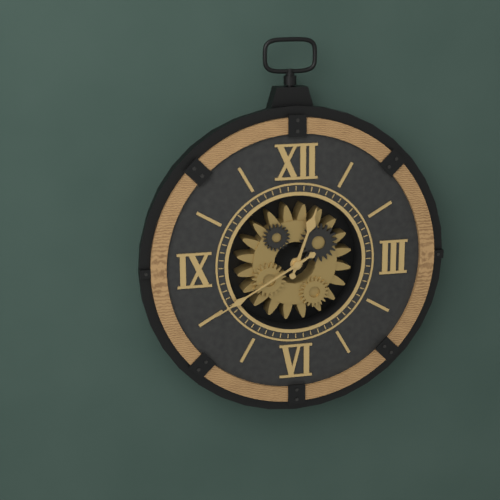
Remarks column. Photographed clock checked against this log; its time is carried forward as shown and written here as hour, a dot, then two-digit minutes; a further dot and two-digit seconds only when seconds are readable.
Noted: 12.40
